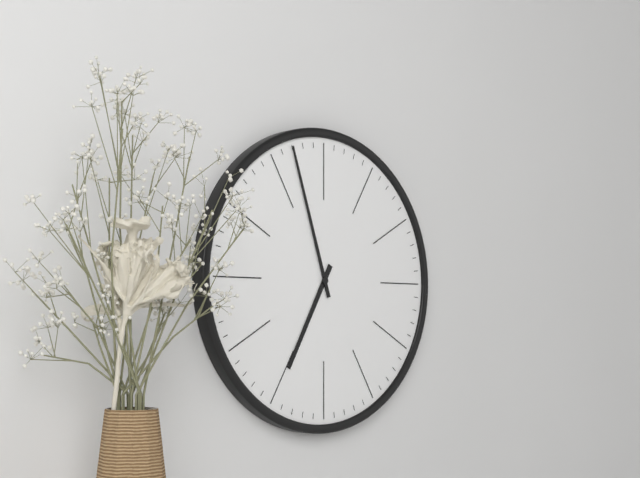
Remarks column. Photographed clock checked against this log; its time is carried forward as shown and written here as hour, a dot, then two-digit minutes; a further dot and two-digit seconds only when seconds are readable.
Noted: 6.57
